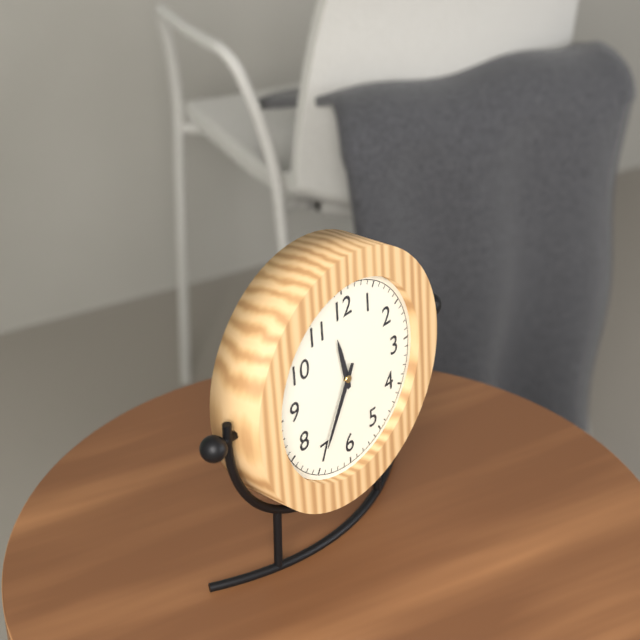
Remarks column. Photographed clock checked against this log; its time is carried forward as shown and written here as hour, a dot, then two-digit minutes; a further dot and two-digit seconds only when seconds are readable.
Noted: 11.35
